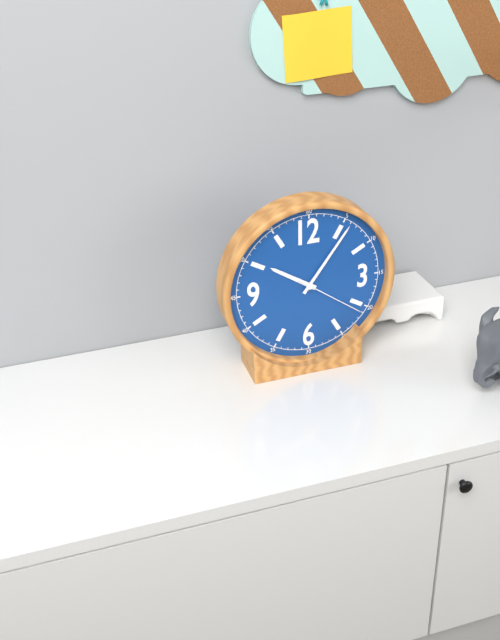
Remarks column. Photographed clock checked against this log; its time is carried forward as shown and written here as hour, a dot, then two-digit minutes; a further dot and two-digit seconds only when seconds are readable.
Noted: 10.06.21
